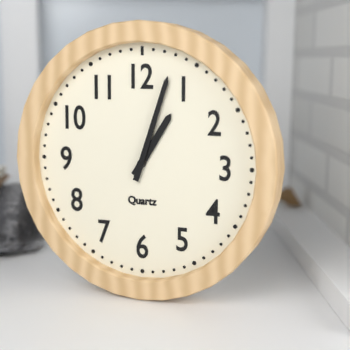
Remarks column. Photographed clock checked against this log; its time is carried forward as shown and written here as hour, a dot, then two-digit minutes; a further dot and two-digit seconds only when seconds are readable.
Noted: 1.03
